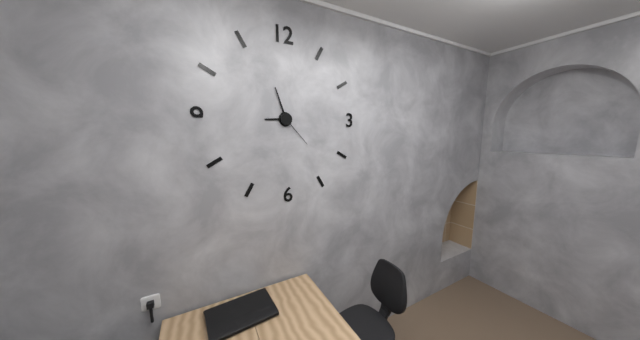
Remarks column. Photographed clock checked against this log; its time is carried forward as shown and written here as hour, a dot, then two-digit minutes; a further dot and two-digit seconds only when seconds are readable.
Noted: 8.57
